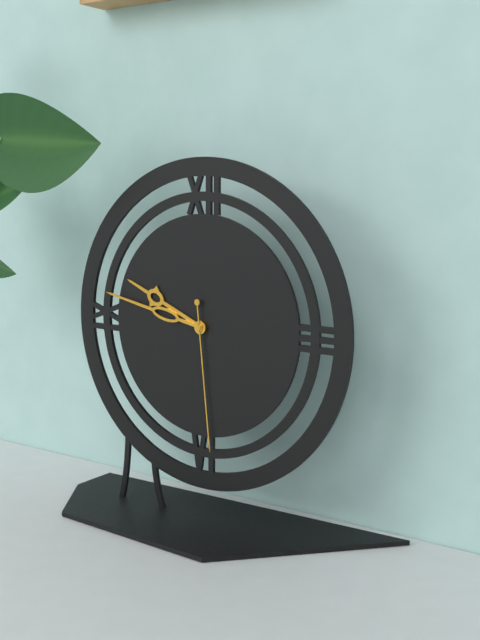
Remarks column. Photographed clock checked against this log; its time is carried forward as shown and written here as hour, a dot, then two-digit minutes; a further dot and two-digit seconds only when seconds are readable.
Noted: 9.47.29
